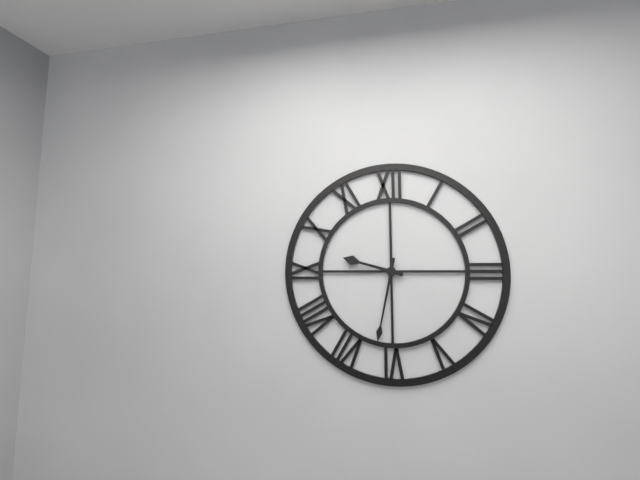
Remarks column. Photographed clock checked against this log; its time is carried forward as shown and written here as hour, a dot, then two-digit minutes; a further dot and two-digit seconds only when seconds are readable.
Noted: 9.32
